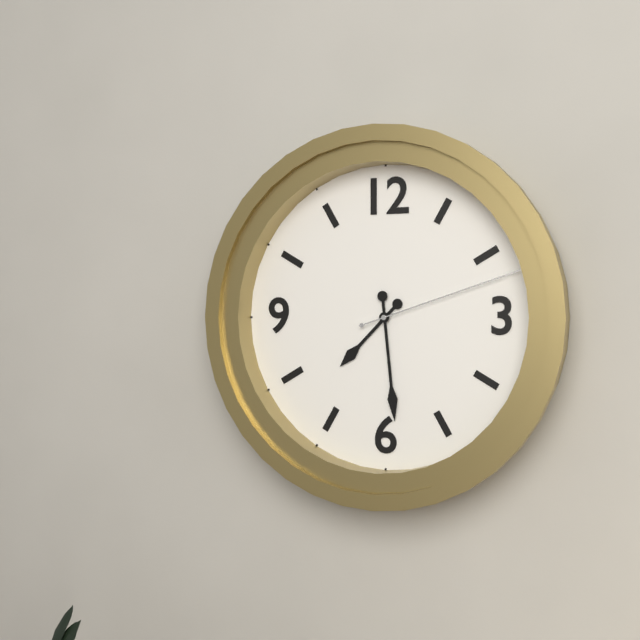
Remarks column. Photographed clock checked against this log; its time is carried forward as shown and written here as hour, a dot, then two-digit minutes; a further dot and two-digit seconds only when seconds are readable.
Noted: 7.29.12
